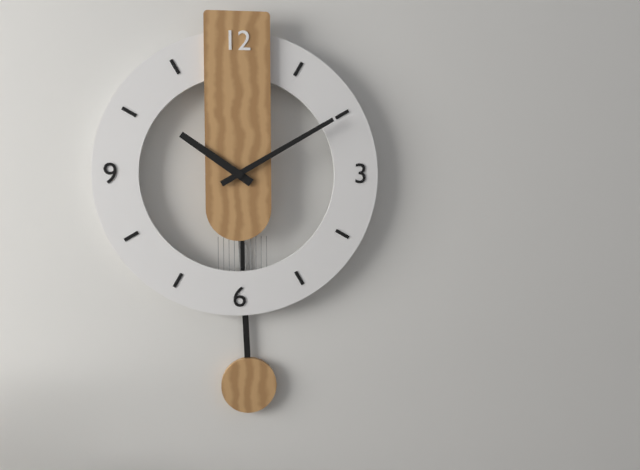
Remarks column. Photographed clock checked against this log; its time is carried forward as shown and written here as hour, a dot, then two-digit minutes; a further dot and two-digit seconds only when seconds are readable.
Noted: 10.10
